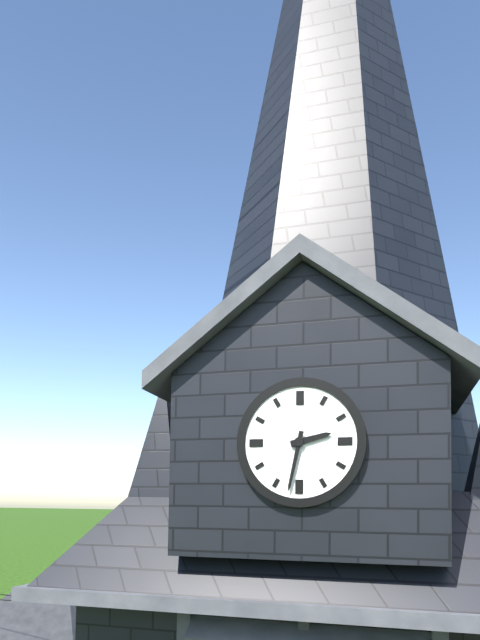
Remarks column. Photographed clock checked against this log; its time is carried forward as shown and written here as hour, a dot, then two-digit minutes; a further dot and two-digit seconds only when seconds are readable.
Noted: 2.32
